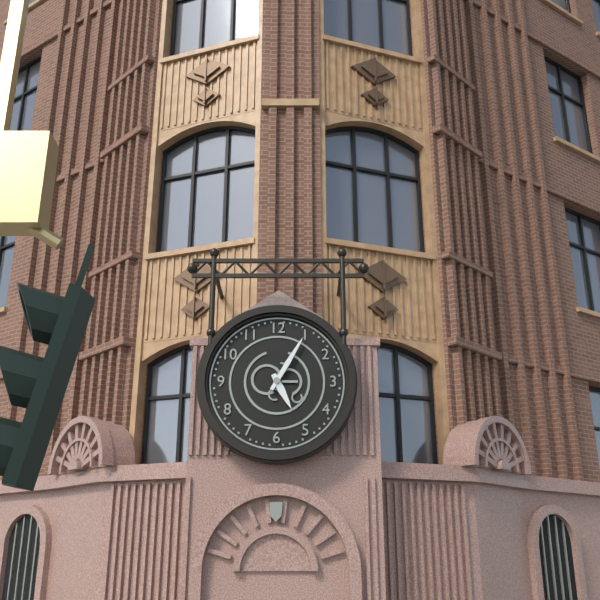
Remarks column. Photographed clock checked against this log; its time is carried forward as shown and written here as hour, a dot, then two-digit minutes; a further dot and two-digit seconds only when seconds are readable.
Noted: 5.05
